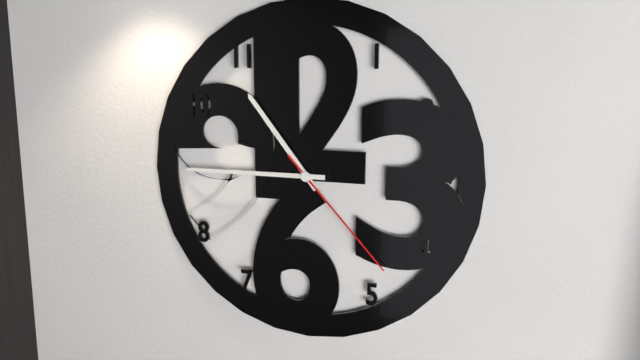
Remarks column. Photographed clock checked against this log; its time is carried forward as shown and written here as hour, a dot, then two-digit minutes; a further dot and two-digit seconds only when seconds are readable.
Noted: 10.45.23
